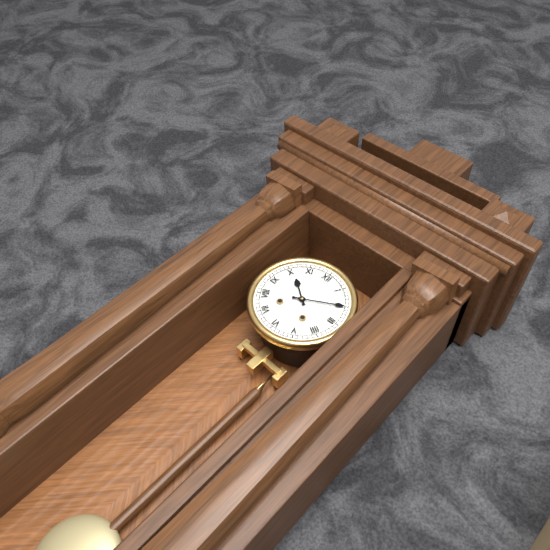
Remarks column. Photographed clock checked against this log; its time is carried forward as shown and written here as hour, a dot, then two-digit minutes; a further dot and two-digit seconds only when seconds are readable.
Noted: 10.10
